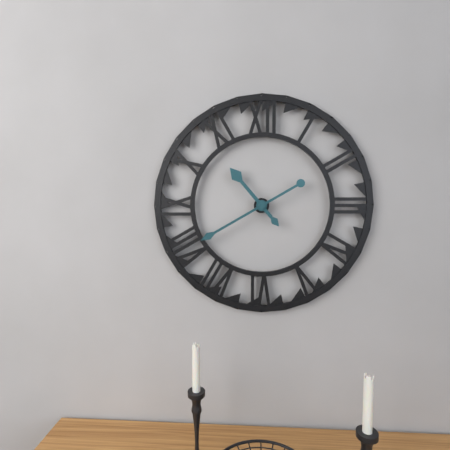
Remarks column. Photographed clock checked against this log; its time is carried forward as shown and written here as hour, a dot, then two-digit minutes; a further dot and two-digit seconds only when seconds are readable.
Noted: 10.40
